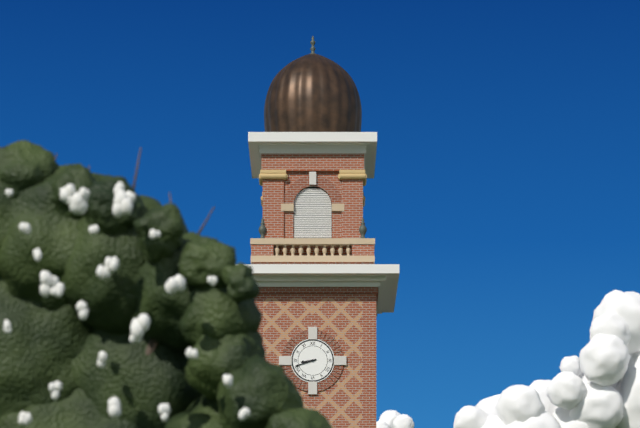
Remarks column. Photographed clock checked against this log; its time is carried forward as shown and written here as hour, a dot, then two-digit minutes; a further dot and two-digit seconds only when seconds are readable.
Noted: 8.42
